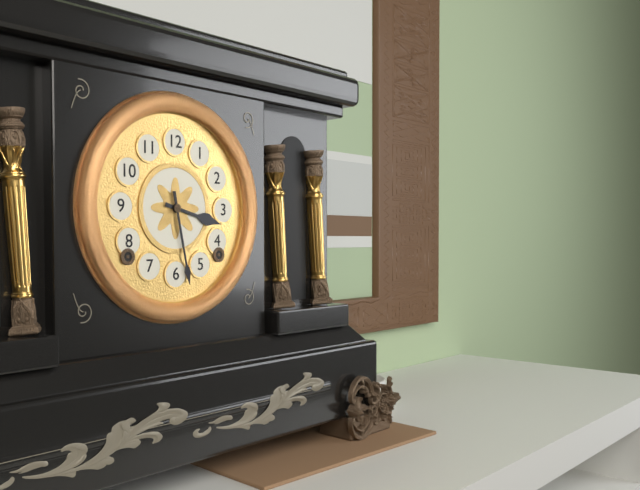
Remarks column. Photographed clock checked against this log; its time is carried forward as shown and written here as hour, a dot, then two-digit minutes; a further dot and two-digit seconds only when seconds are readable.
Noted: 3.28
